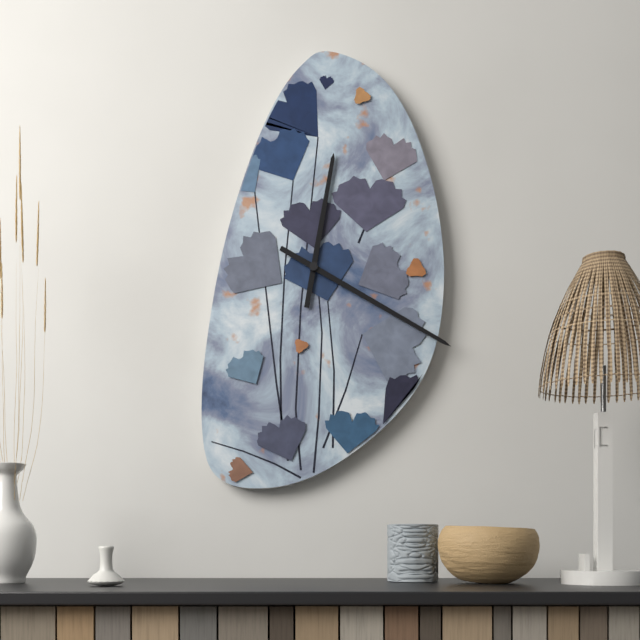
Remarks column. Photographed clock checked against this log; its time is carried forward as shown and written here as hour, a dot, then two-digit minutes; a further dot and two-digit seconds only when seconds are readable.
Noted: 12.20
